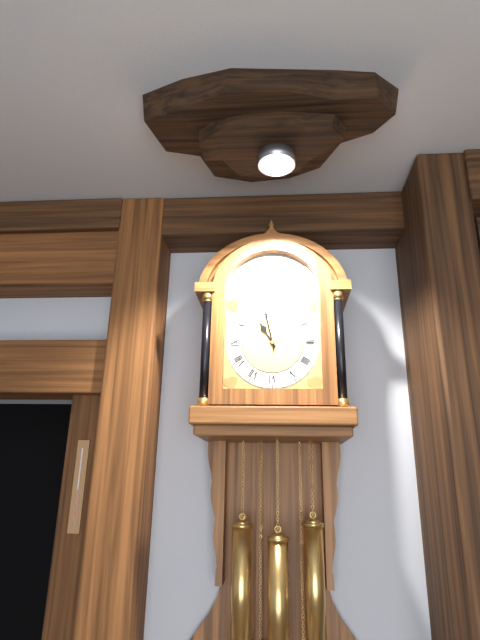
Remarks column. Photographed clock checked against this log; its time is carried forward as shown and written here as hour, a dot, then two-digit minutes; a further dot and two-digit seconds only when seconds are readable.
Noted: 10.58
